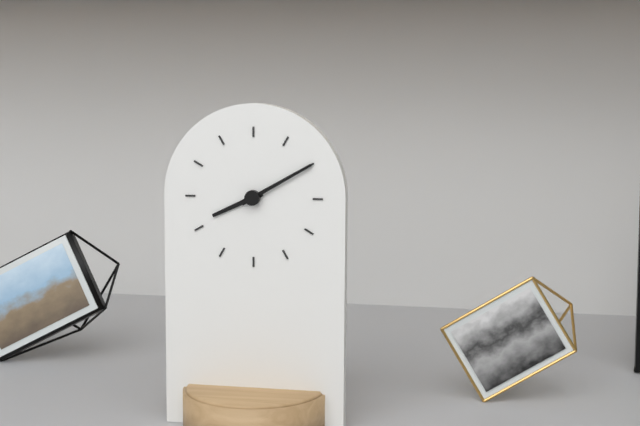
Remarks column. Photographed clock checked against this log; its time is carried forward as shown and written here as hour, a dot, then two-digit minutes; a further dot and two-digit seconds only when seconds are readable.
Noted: 8.10
